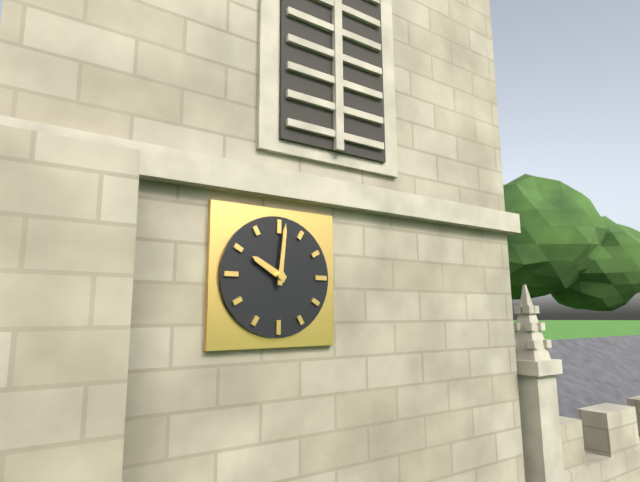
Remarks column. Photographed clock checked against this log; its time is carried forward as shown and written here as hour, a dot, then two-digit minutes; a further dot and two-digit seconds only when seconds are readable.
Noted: 10.01
